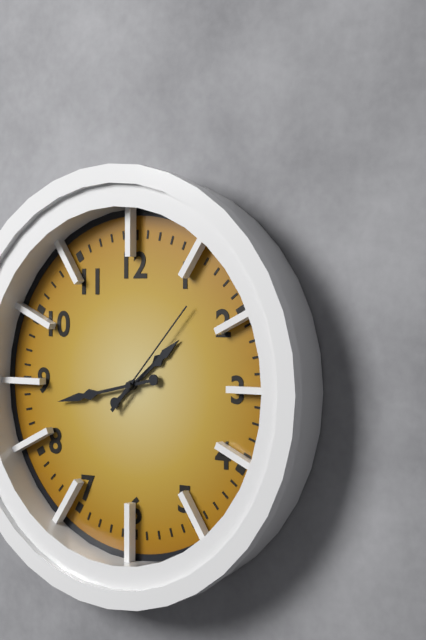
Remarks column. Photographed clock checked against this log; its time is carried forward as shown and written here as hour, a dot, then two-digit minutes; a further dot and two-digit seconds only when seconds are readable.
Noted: 1.43.07
